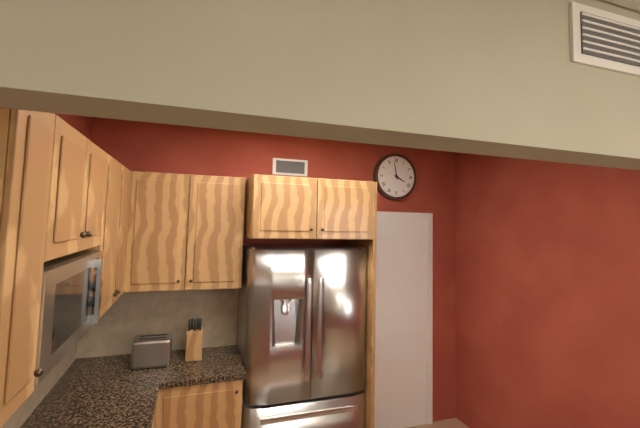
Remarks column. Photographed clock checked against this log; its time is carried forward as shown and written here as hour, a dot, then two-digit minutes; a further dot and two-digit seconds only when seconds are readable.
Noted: 3.58
